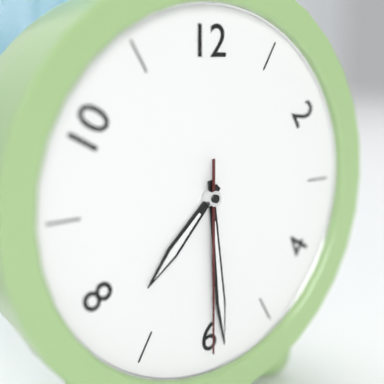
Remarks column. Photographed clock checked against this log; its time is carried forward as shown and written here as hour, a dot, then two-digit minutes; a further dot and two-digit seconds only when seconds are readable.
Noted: 7.29.30
